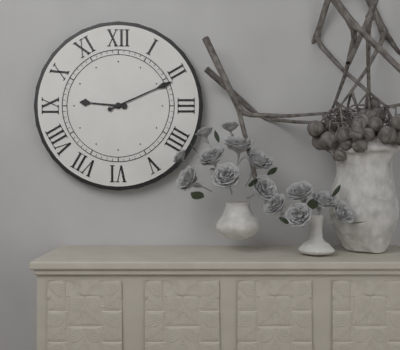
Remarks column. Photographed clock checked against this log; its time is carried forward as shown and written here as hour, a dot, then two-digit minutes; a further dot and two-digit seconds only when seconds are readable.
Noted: 9.11
